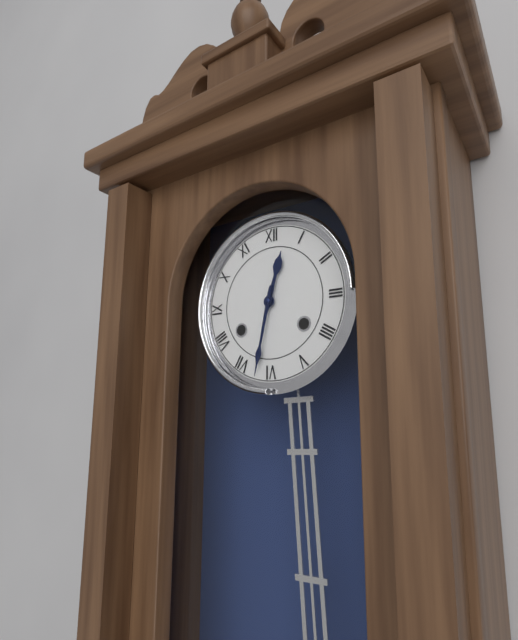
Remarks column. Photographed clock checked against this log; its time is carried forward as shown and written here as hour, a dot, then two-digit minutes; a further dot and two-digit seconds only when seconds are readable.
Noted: 12.32
